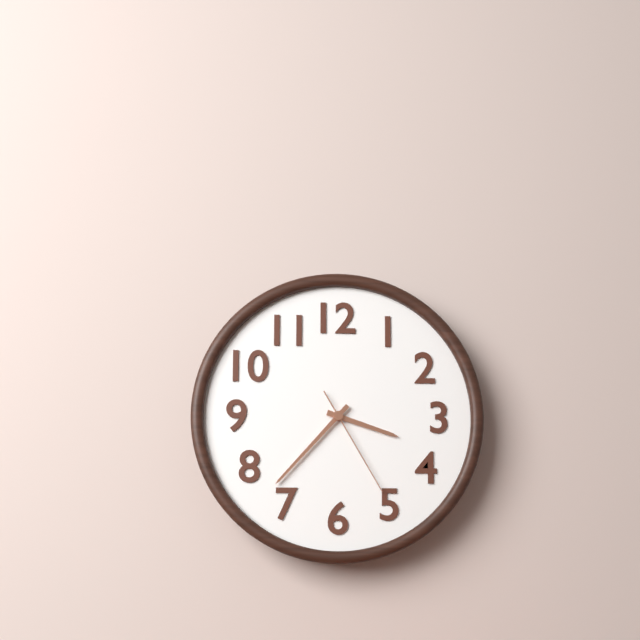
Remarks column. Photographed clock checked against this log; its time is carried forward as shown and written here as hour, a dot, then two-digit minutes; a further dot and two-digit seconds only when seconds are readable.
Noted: 3.37.25
